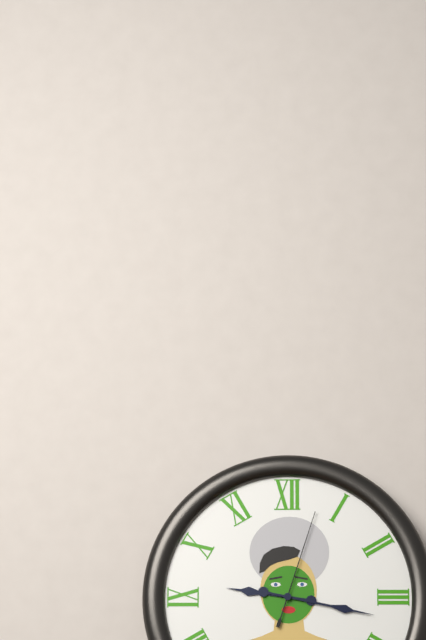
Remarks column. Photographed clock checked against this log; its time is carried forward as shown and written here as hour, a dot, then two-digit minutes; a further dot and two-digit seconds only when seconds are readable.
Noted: 9.17.03
